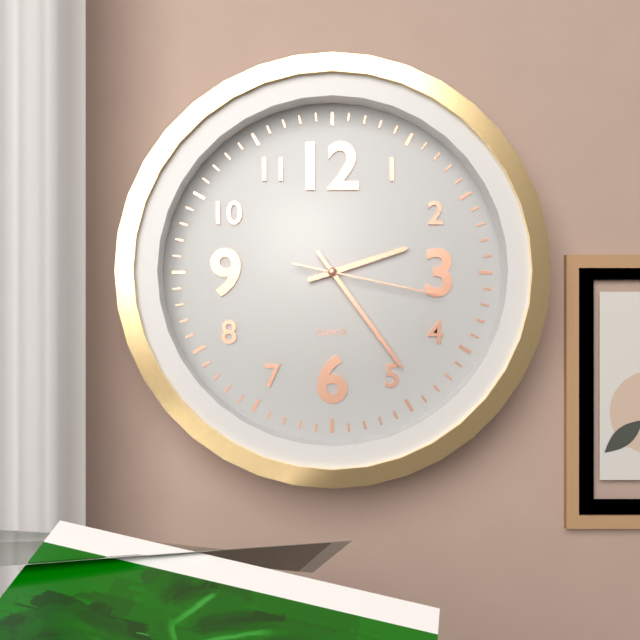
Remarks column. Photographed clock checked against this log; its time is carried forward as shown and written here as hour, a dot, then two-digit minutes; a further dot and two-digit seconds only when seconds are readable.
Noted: 2.24.17
